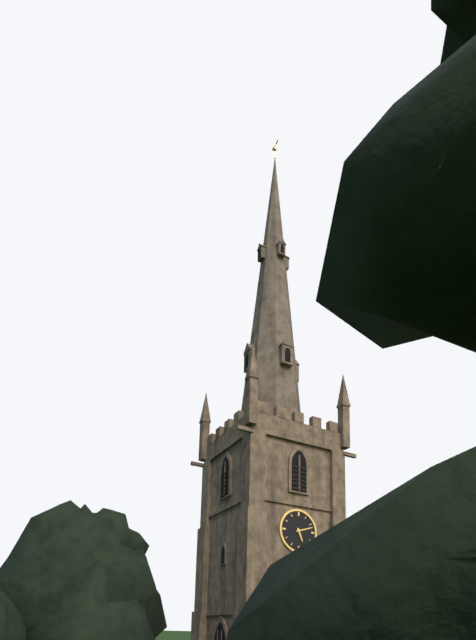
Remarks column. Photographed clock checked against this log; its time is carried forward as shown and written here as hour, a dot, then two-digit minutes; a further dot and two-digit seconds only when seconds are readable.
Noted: 5.12
